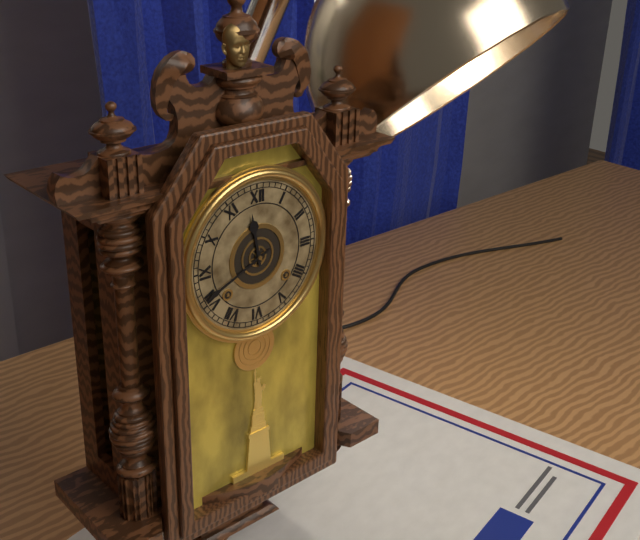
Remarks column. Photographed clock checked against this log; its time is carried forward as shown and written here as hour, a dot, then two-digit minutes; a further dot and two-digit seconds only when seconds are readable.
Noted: 11.41
